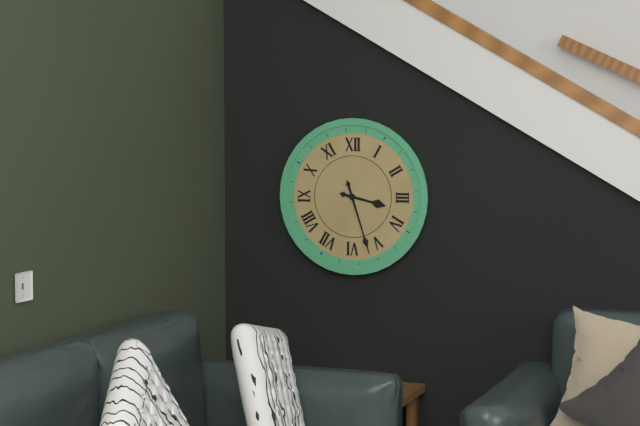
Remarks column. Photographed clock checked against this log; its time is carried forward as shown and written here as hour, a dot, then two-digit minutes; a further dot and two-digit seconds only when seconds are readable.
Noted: 3.27
